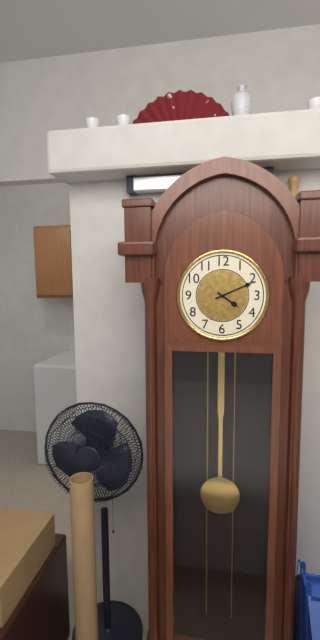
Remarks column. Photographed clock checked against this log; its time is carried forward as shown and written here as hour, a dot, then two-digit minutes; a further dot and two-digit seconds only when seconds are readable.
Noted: 4.11
